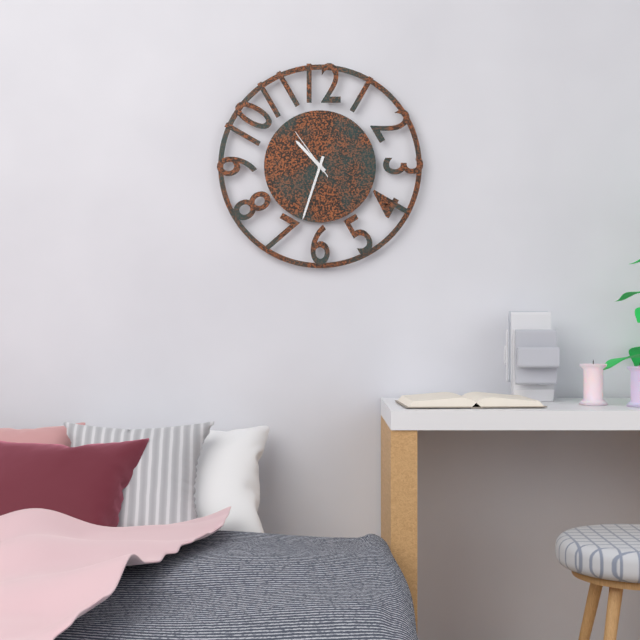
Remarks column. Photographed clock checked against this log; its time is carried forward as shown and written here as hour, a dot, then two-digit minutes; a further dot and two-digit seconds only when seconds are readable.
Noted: 10.33.54
